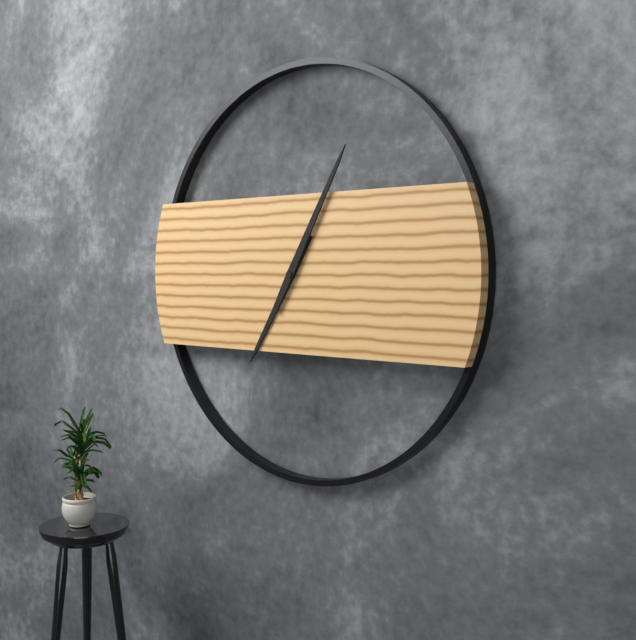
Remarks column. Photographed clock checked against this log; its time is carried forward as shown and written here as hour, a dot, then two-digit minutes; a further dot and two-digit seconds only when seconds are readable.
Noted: 7.05
